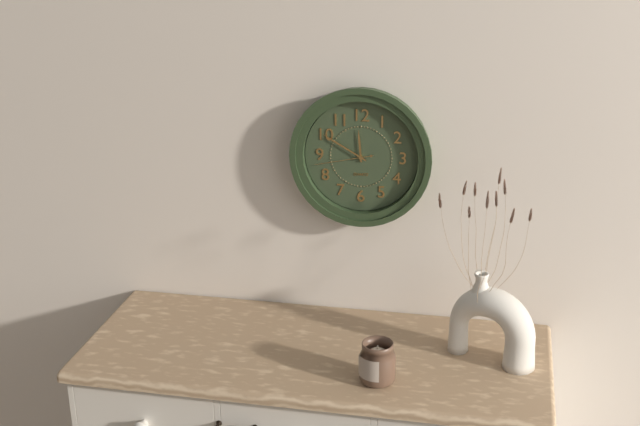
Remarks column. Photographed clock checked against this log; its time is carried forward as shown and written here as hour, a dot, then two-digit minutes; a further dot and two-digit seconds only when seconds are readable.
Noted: 11.50.43
